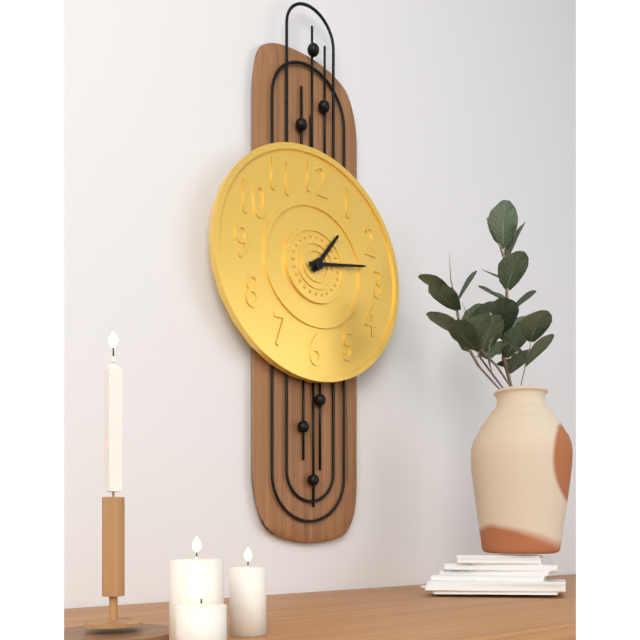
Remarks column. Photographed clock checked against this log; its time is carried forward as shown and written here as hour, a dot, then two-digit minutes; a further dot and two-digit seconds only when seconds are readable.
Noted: 1.13
